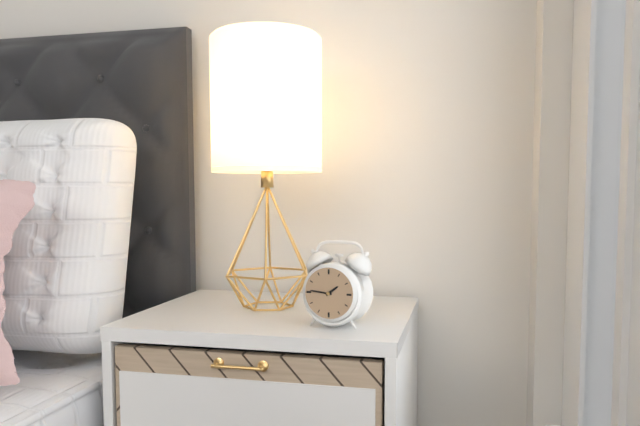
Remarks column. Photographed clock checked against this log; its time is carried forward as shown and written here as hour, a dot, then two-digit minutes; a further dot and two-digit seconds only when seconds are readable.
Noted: 1.46
